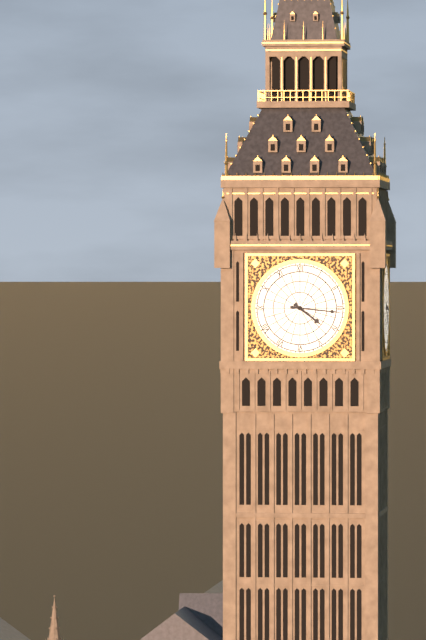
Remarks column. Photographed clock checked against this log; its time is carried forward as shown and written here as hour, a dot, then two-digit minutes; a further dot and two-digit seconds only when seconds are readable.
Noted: 4.16
